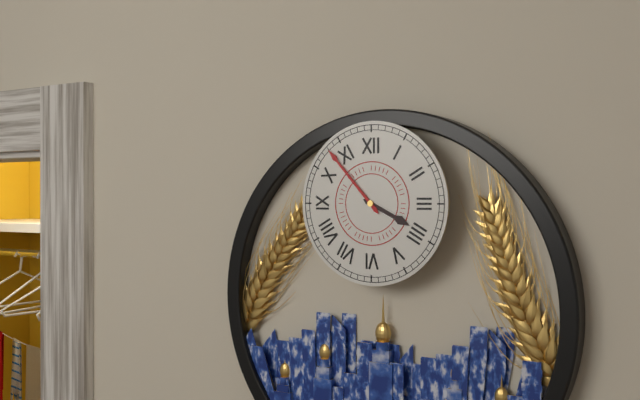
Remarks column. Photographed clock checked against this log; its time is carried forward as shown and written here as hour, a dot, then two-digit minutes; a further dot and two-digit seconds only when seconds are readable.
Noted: 3.53
